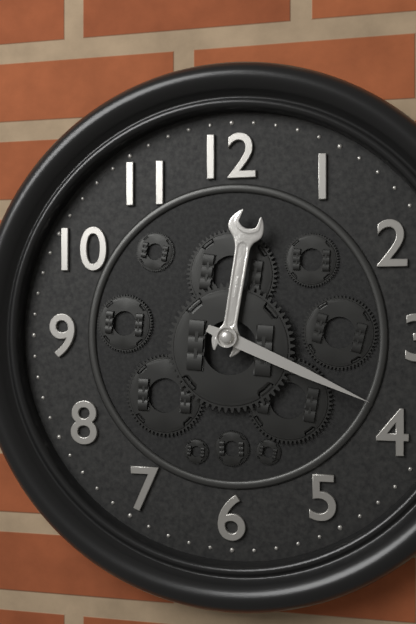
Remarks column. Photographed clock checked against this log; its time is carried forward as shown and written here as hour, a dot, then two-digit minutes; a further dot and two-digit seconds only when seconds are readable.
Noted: 12.19
